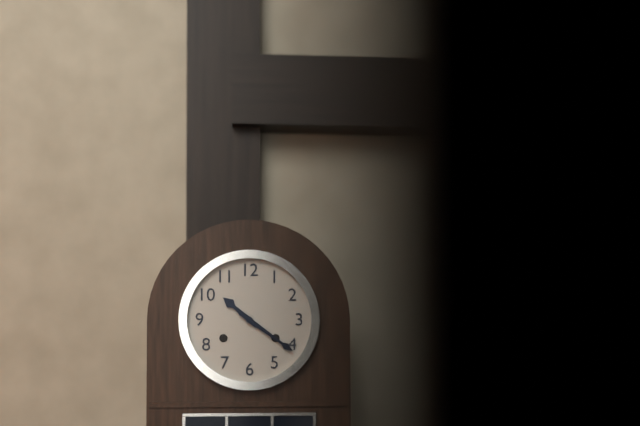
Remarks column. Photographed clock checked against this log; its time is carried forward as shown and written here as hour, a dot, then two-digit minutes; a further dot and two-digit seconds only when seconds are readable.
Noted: 10.21
